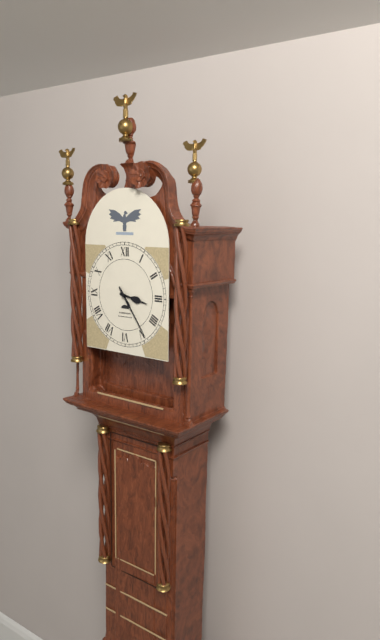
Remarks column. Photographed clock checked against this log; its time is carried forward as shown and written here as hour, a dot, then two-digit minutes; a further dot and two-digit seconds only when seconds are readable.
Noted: 3.24
